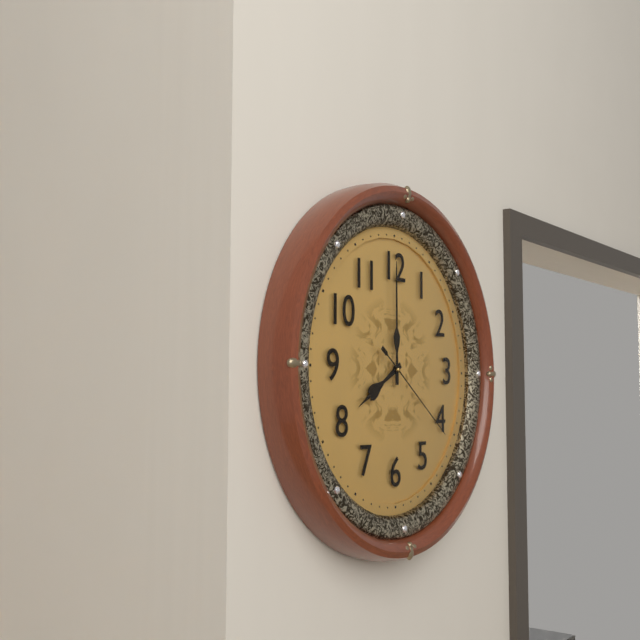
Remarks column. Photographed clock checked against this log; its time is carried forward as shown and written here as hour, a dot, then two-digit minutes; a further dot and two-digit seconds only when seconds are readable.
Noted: 8.00.21
